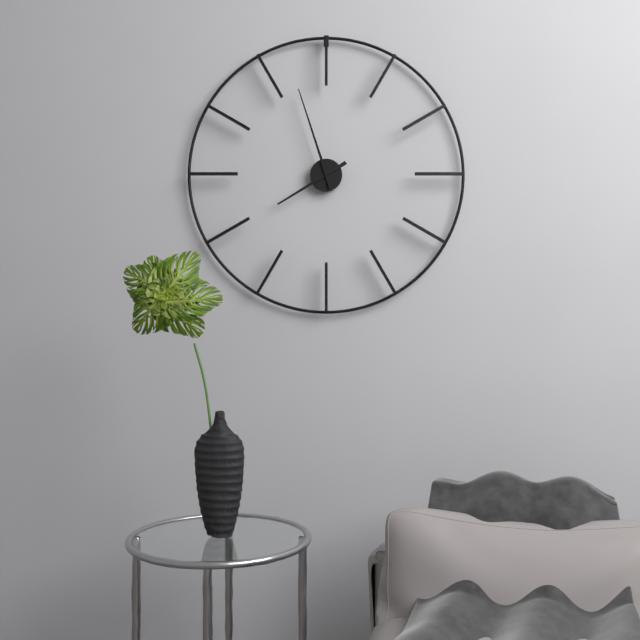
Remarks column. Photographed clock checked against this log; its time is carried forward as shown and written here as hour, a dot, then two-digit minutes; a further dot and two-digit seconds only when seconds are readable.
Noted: 7.57
